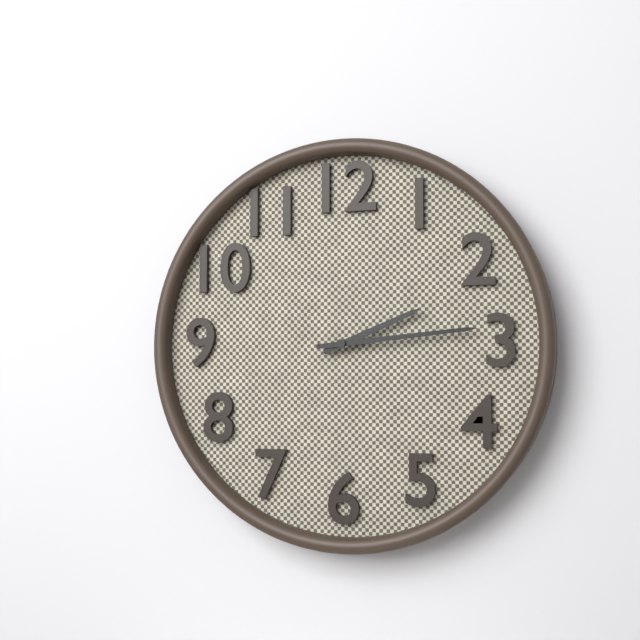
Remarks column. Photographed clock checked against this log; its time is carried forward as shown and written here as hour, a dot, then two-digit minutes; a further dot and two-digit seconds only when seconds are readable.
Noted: 2.14
